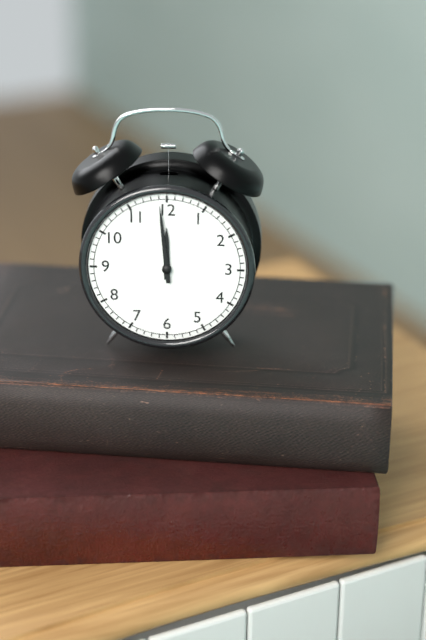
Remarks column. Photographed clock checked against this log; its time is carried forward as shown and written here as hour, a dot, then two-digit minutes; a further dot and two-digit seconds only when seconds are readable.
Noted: 11.59
